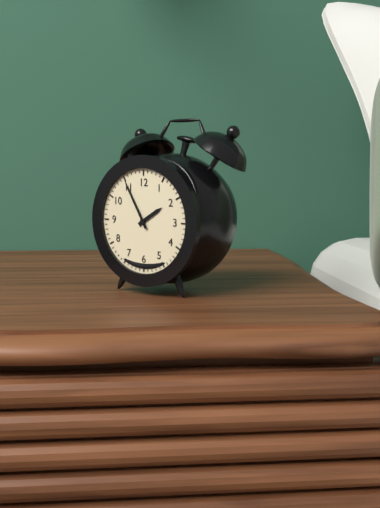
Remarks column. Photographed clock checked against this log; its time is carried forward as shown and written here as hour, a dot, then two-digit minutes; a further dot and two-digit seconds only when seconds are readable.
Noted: 1.55
